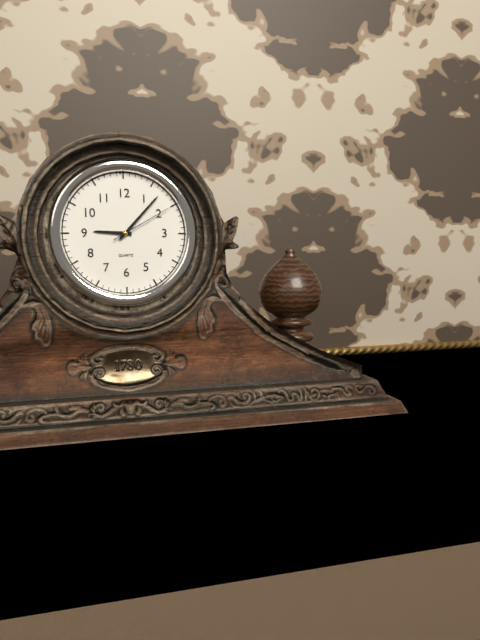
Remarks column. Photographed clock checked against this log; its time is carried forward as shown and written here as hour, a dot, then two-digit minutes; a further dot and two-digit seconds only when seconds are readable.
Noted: 9.07.10
